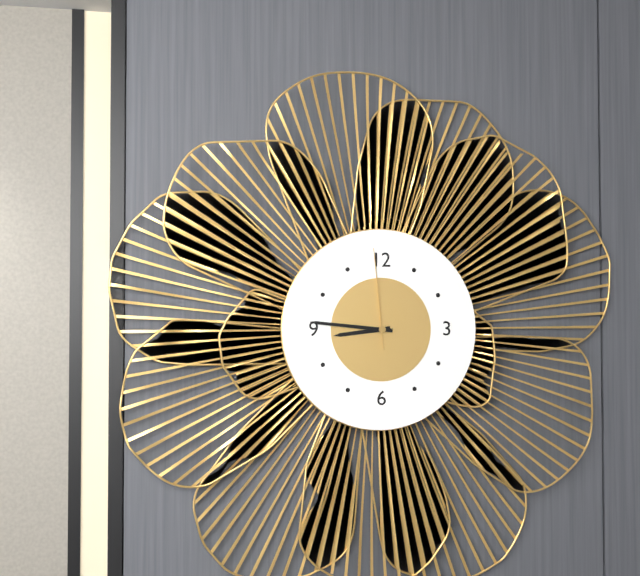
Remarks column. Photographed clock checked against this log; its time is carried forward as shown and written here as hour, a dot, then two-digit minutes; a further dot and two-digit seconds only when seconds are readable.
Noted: 8.46.59
